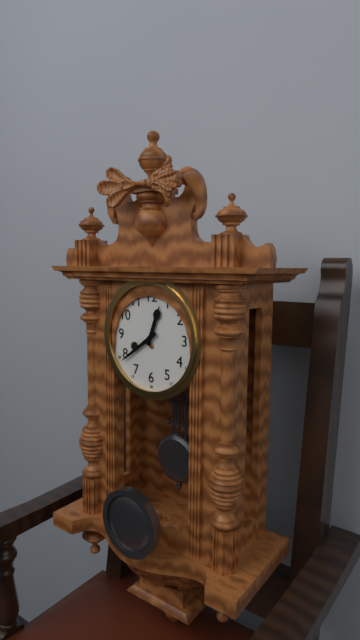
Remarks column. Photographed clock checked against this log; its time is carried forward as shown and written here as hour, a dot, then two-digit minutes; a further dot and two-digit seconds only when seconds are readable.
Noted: 12.39
